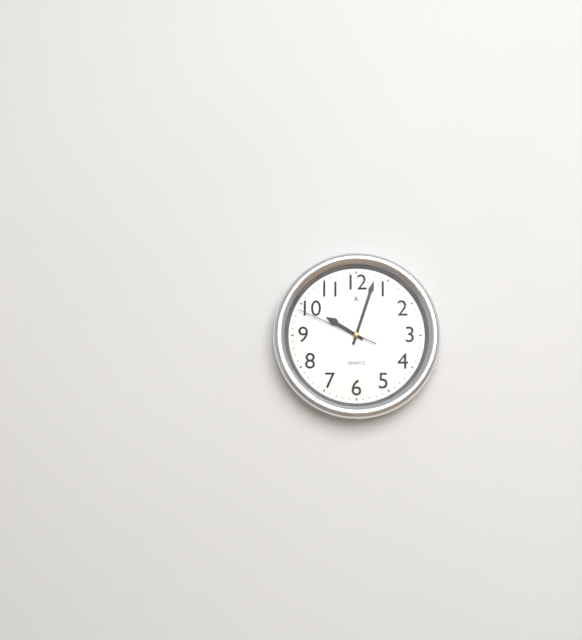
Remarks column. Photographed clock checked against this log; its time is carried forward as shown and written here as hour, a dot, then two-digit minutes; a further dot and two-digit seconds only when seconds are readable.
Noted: 10.03.49
